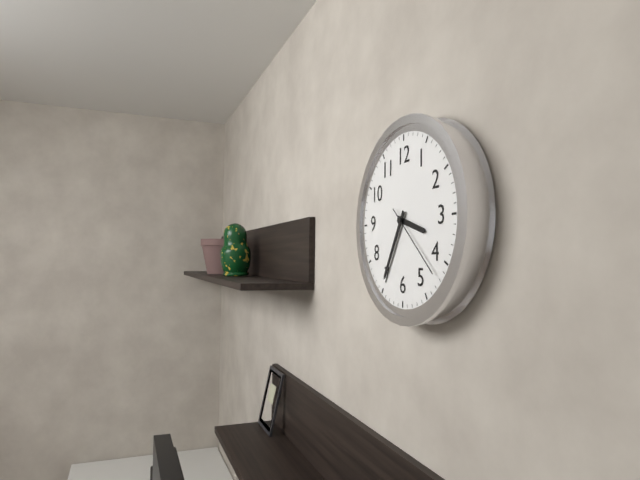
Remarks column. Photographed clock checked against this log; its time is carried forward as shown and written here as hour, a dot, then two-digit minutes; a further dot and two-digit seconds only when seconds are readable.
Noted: 3.35.22
